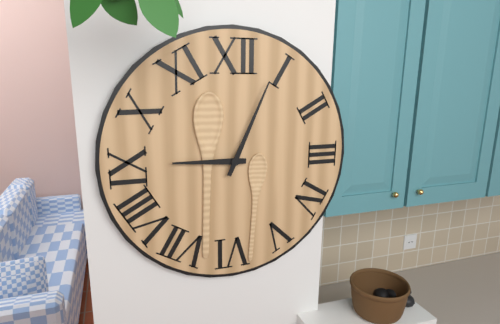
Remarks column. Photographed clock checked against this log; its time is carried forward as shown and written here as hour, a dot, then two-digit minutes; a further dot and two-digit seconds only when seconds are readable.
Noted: 9.04
